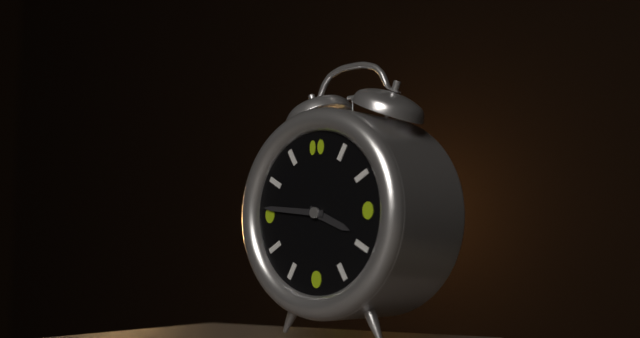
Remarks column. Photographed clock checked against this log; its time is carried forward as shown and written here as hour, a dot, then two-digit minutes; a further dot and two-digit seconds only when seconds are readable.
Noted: 3.46
